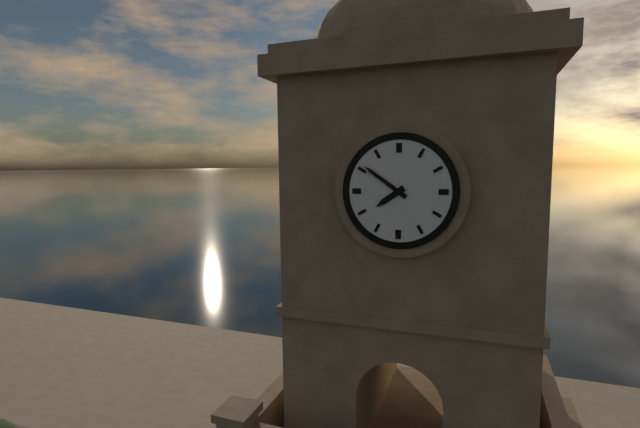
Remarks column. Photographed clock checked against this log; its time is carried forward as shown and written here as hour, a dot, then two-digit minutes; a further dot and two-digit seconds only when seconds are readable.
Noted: 7.51
